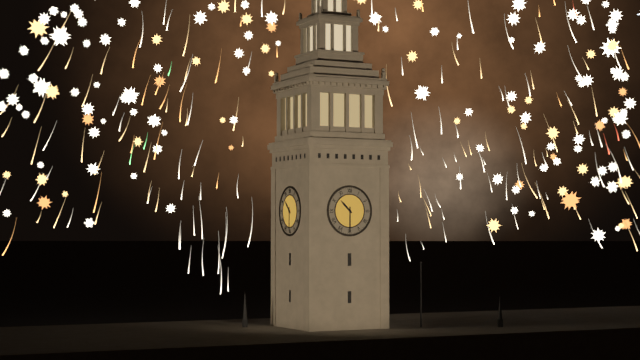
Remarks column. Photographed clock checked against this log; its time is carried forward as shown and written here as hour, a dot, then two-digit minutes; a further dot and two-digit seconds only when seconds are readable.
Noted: 10.30
